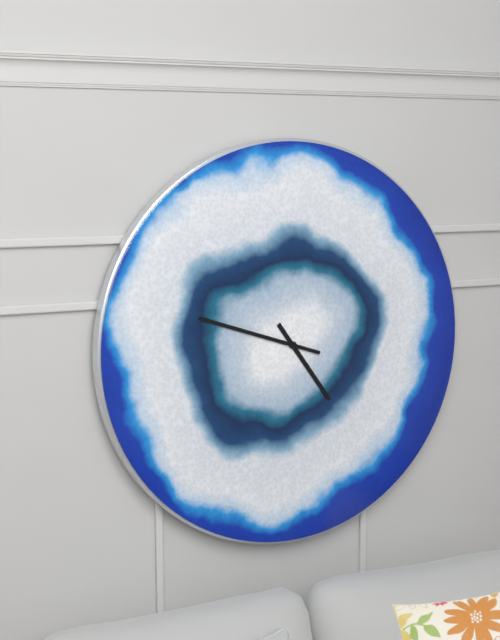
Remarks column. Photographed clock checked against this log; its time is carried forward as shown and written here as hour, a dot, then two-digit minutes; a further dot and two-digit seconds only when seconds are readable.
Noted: 4.48
